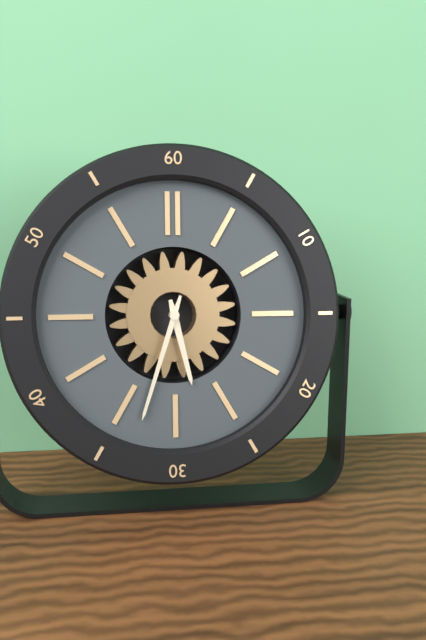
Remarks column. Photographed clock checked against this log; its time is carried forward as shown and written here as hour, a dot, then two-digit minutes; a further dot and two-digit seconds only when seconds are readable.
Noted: 5.33
